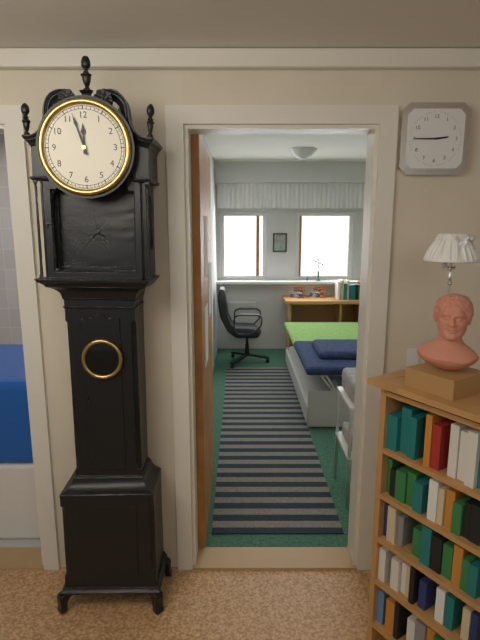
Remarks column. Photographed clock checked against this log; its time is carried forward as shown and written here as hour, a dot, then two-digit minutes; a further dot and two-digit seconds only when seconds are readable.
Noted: 11.57
